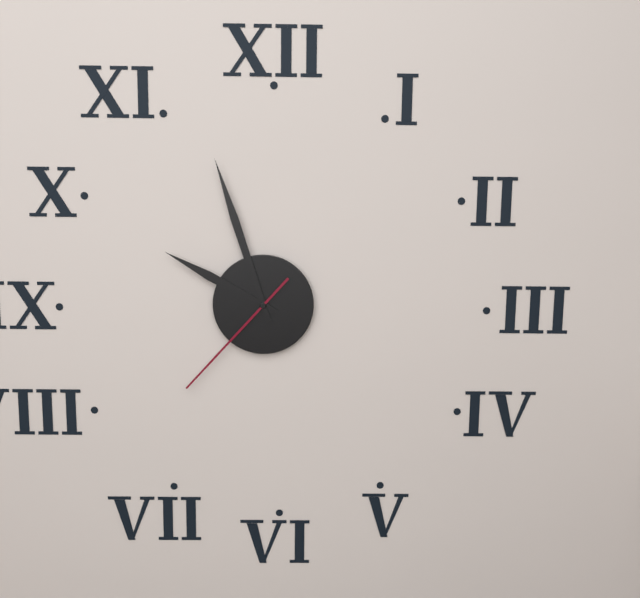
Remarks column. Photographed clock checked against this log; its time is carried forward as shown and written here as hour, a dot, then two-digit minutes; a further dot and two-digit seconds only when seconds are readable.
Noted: 9.57.37
